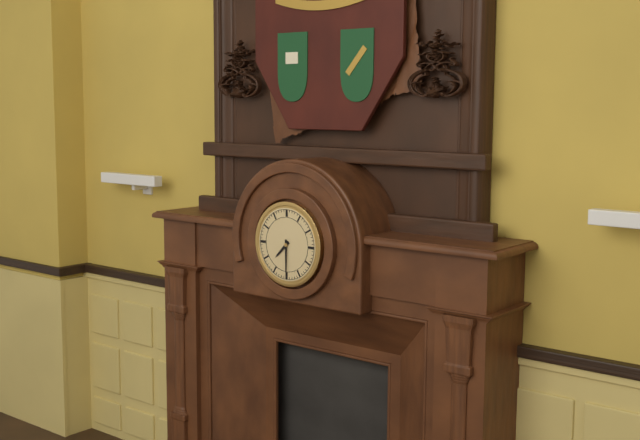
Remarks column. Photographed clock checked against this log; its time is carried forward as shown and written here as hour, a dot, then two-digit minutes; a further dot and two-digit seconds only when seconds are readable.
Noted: 7.30
